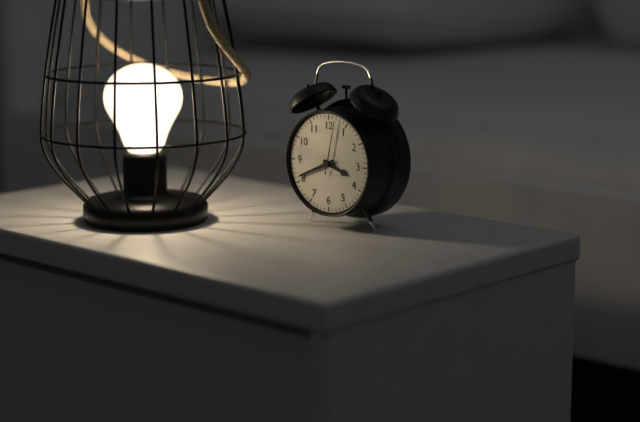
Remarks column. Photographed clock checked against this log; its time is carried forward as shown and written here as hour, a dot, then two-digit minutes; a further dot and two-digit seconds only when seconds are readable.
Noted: 3.41.02
